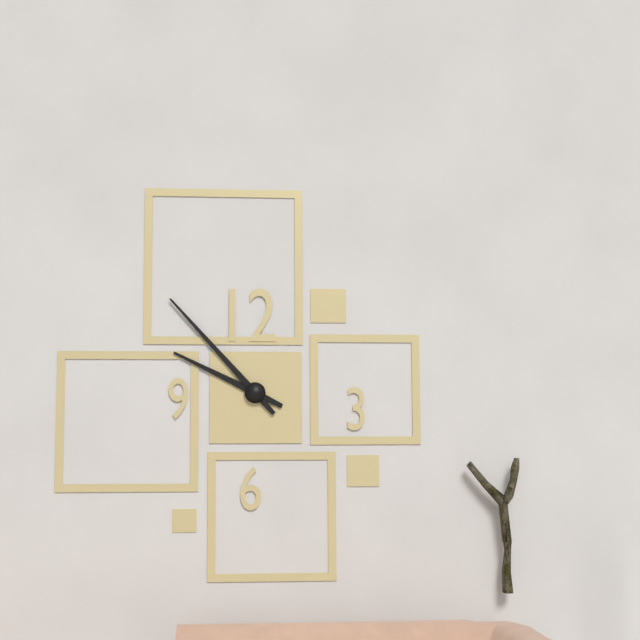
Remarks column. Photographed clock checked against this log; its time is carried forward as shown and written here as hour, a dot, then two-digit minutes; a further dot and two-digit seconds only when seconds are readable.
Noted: 9.53
